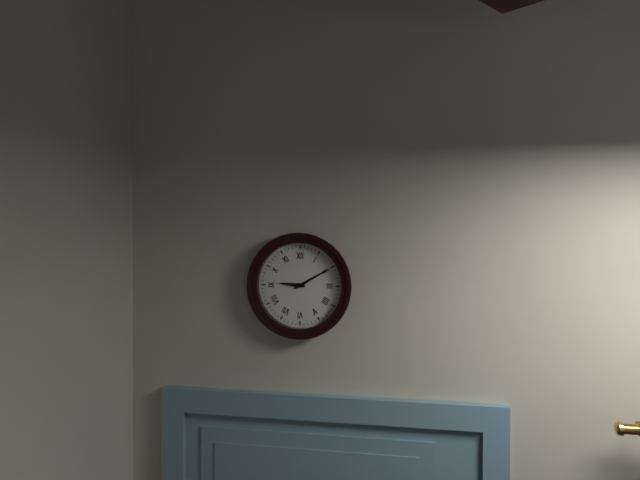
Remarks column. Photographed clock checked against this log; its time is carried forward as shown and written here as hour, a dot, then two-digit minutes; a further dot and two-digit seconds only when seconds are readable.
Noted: 9.10
